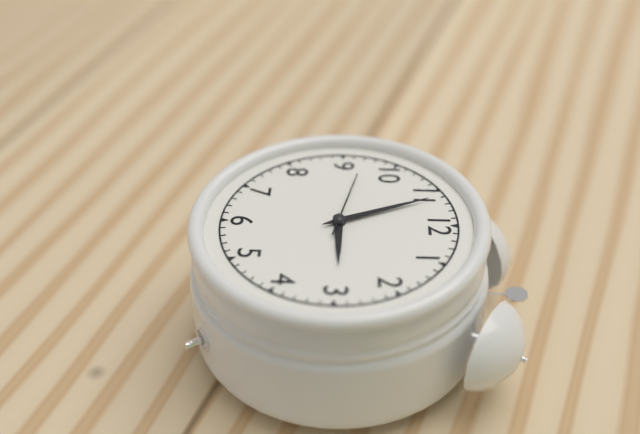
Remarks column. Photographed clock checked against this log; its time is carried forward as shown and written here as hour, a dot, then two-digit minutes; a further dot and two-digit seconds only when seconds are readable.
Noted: 2.56.47
